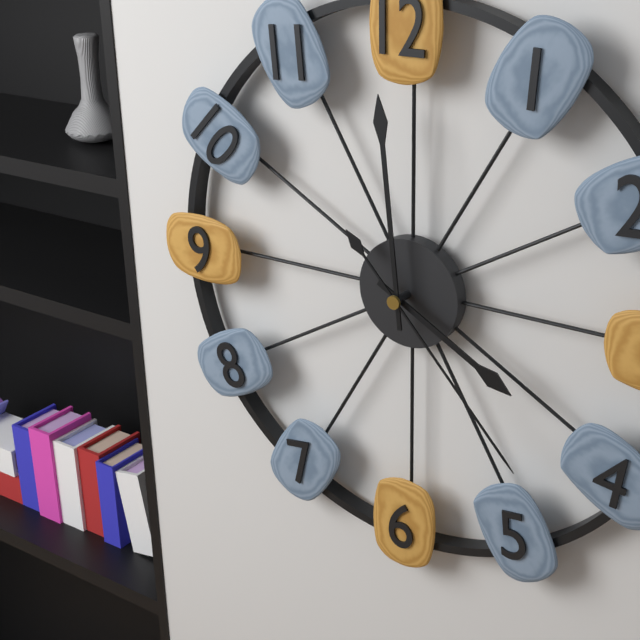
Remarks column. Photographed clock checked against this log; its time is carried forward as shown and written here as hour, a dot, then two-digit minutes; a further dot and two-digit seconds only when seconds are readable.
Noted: 3.59.23
